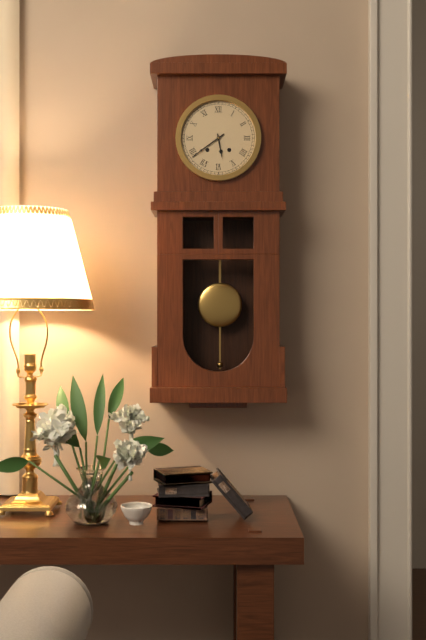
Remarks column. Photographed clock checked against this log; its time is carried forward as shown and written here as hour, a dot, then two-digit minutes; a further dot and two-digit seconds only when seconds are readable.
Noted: 5.39
